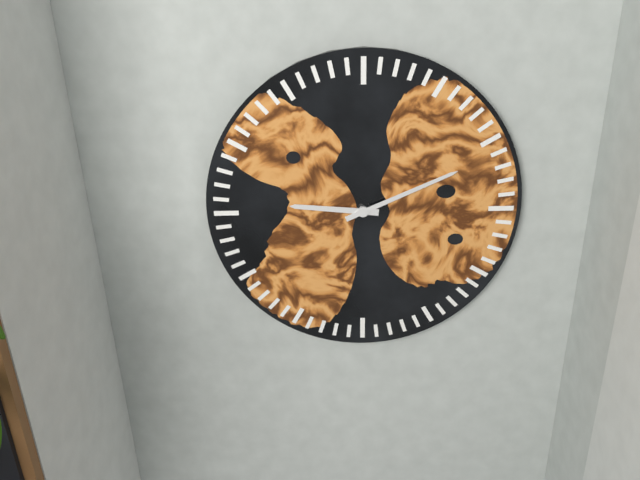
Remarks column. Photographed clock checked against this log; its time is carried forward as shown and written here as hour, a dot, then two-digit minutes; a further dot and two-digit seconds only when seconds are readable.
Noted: 9.11
